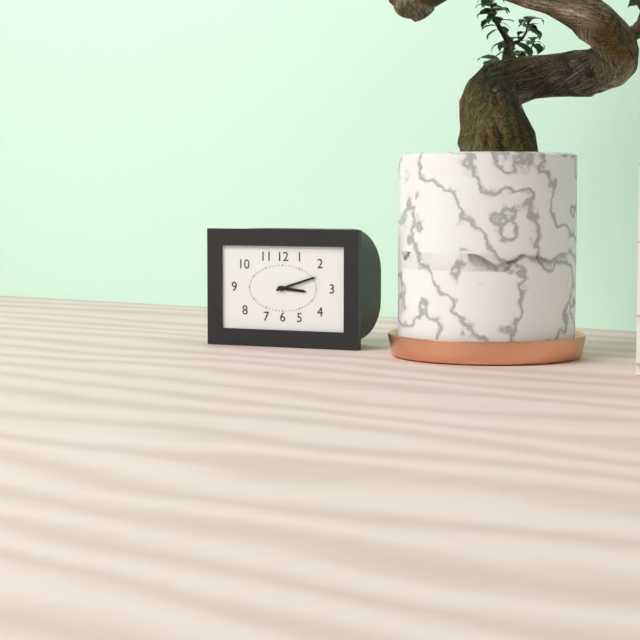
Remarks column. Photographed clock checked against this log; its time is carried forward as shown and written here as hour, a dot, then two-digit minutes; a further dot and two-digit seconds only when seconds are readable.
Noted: 3.12
